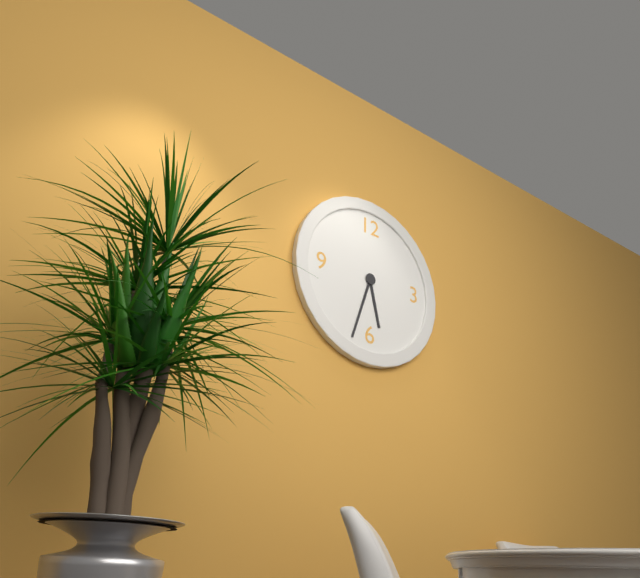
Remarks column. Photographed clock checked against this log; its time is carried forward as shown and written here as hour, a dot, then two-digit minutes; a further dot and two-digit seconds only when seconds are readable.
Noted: 5.33
